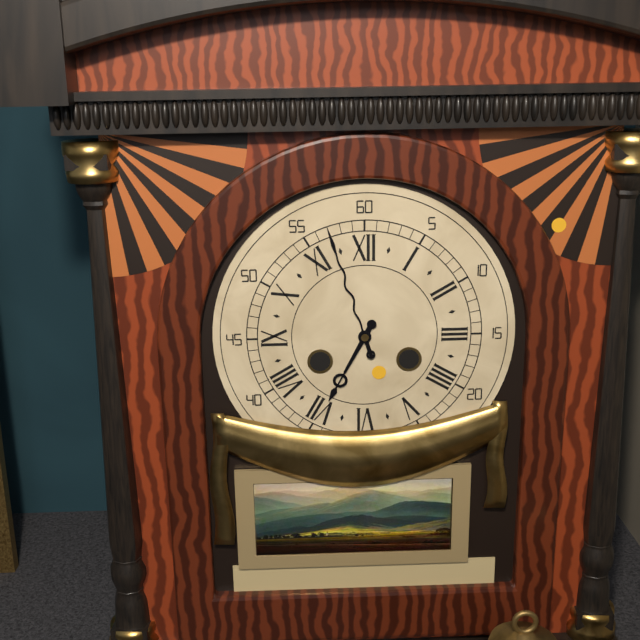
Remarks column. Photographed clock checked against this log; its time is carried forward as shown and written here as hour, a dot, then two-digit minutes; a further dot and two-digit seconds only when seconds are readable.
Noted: 6.57
